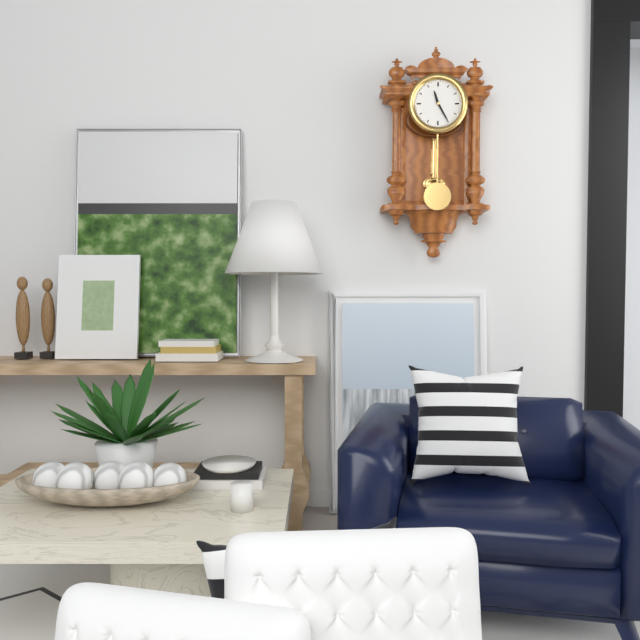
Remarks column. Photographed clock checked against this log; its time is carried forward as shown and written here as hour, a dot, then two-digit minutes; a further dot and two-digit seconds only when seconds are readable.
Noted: 11.25
